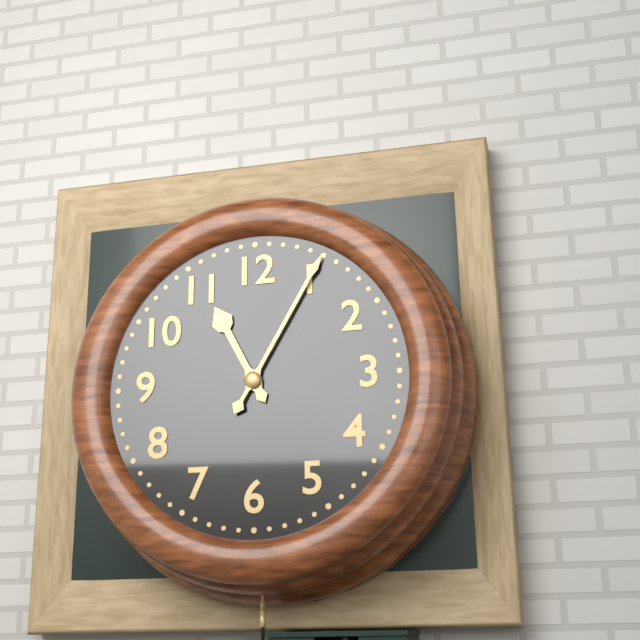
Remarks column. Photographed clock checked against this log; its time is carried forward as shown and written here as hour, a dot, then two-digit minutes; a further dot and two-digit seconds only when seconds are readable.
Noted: 11.05
